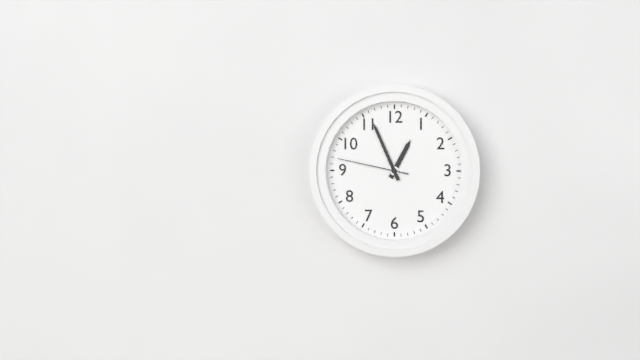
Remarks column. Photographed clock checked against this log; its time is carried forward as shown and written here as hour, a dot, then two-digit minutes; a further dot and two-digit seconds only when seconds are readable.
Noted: 12.56.47
